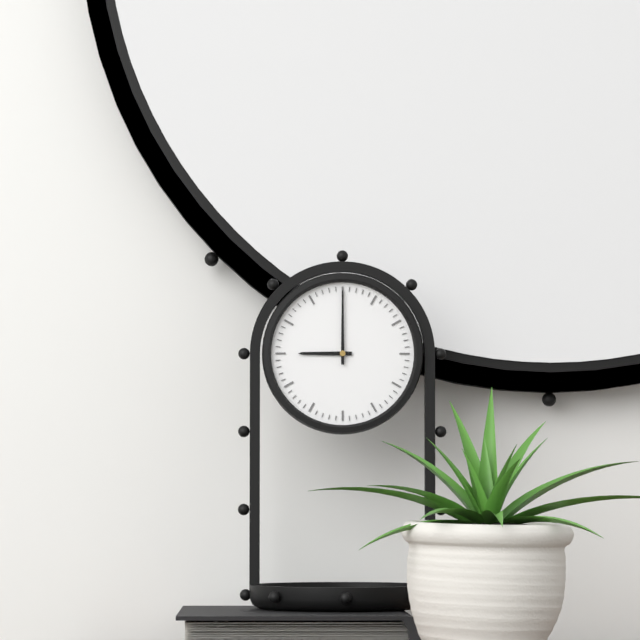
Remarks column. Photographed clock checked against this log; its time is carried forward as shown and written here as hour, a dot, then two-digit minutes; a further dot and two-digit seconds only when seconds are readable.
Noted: 9.00
